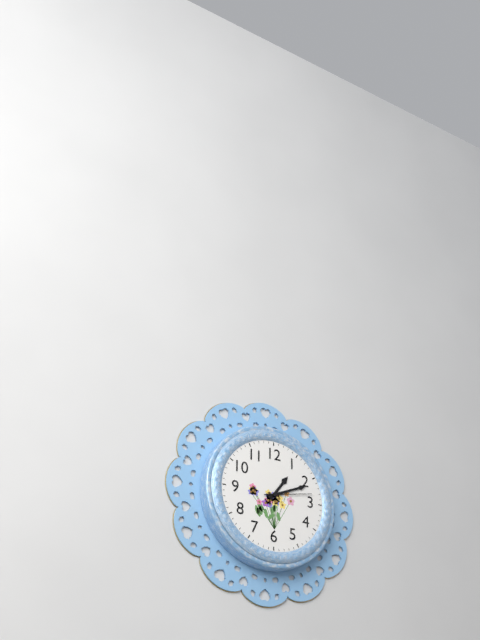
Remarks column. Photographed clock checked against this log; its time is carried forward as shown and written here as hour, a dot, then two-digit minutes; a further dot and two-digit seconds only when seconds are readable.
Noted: 1.11
